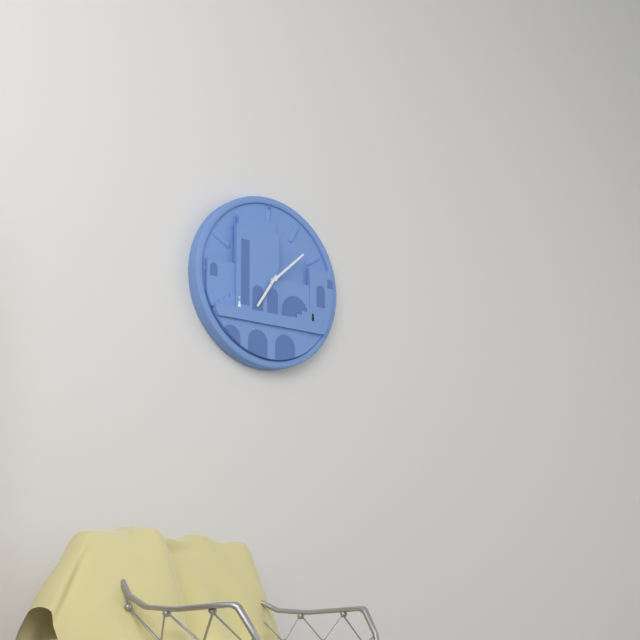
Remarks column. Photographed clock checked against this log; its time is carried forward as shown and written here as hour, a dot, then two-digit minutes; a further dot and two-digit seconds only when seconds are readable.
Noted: 7.08
